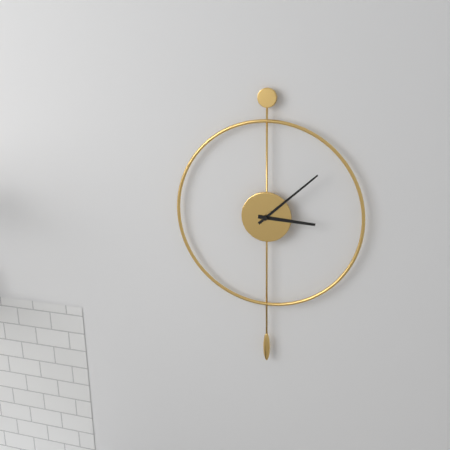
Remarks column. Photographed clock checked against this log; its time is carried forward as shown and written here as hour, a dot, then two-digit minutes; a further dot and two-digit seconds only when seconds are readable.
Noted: 3.08
